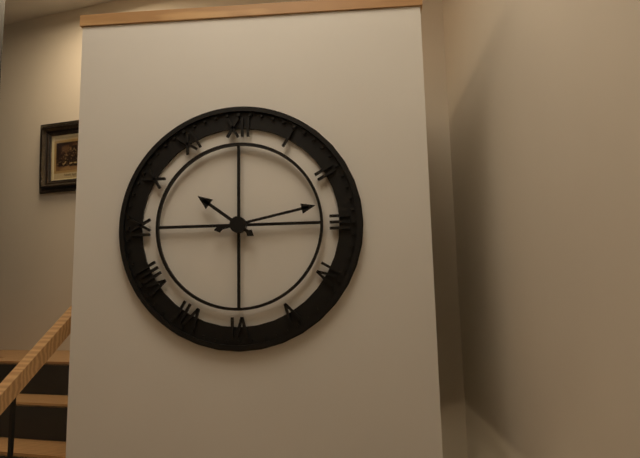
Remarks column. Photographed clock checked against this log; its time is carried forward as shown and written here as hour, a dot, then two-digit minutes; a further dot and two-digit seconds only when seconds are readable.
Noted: 10.13
